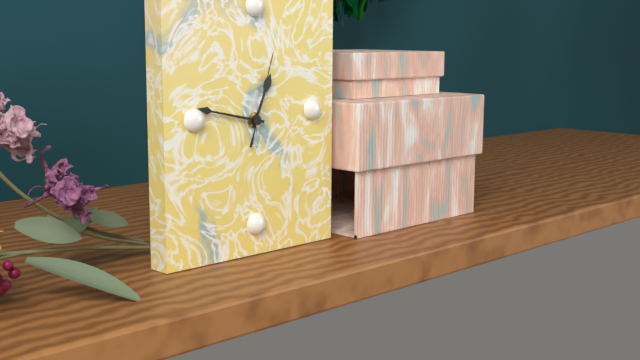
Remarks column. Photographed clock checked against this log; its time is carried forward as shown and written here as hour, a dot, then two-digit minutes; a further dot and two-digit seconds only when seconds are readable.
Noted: 12.47.03
